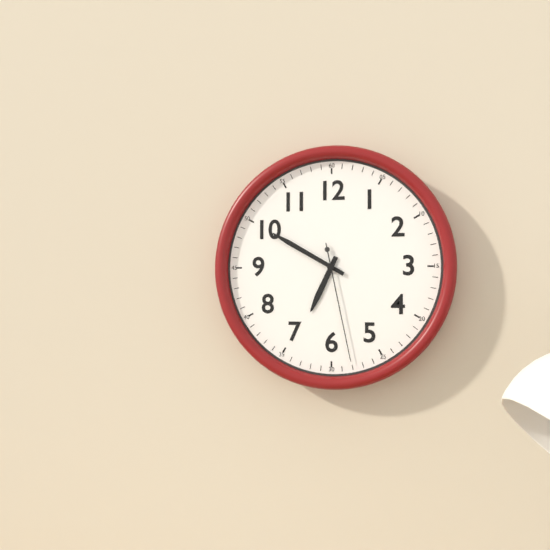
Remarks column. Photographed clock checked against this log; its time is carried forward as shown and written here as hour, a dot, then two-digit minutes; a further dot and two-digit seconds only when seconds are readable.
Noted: 6.50.28
